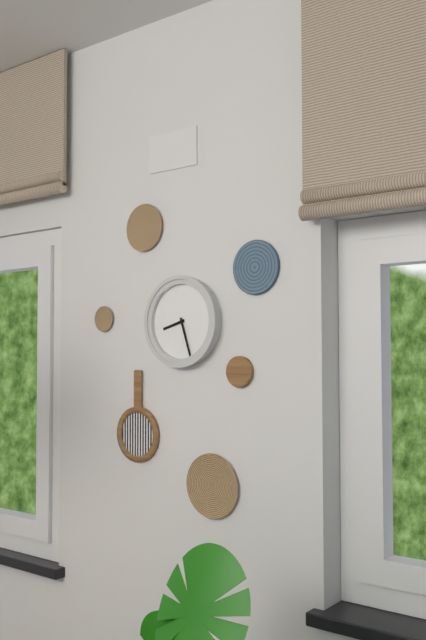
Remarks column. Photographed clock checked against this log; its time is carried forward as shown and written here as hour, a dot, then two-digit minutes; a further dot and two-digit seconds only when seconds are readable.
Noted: 8.27
